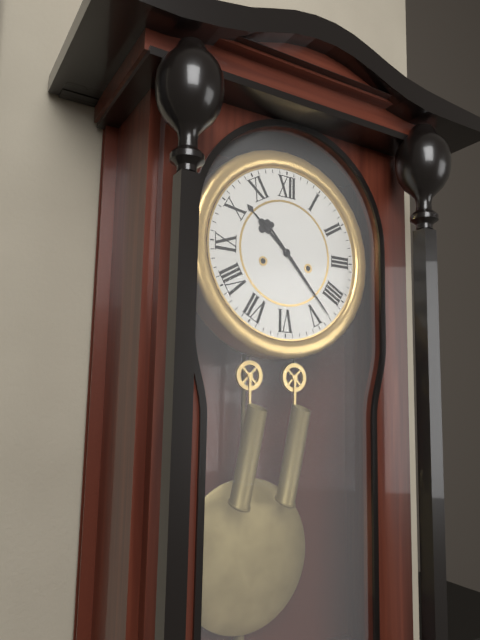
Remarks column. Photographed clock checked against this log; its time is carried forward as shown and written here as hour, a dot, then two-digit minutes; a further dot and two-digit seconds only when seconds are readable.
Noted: 10.23
